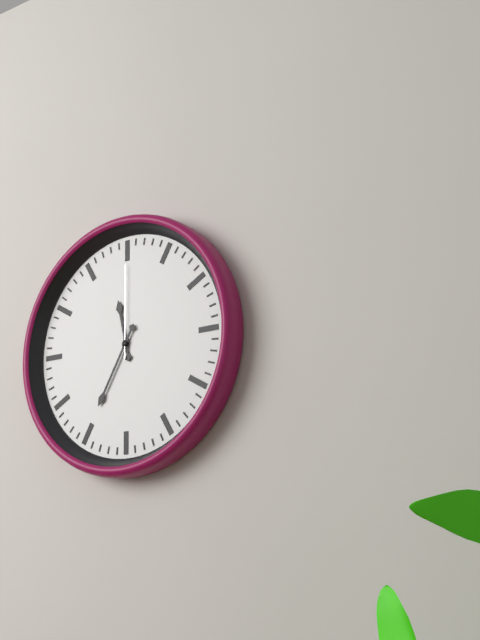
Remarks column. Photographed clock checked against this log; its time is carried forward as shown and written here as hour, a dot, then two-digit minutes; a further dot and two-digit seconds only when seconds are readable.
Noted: 11.35.00
